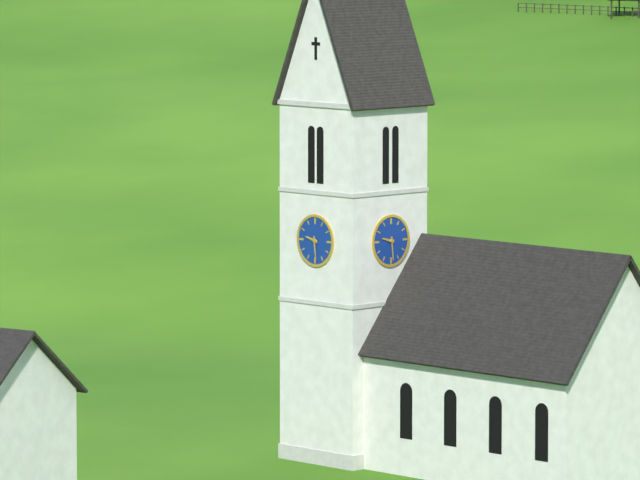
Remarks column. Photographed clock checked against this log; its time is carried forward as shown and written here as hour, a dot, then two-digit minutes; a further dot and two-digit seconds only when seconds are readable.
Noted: 9.29
